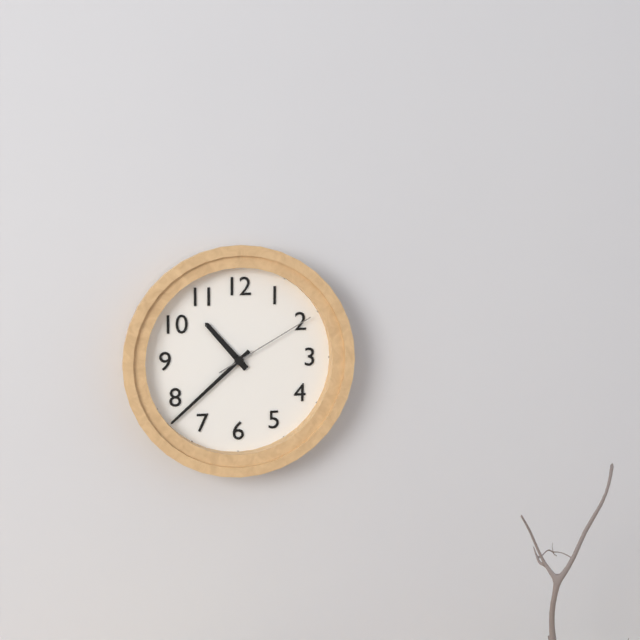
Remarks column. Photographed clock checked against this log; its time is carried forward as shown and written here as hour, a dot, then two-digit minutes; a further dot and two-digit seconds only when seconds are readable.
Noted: 10.38.10
